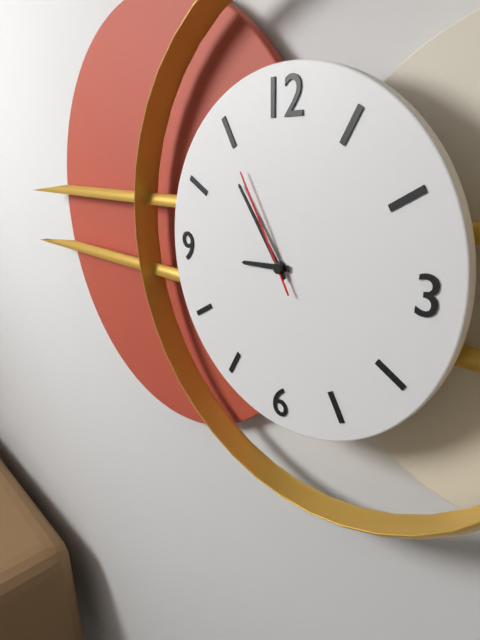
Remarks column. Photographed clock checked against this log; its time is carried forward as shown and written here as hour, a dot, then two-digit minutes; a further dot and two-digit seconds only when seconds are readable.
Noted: 8.54.55
